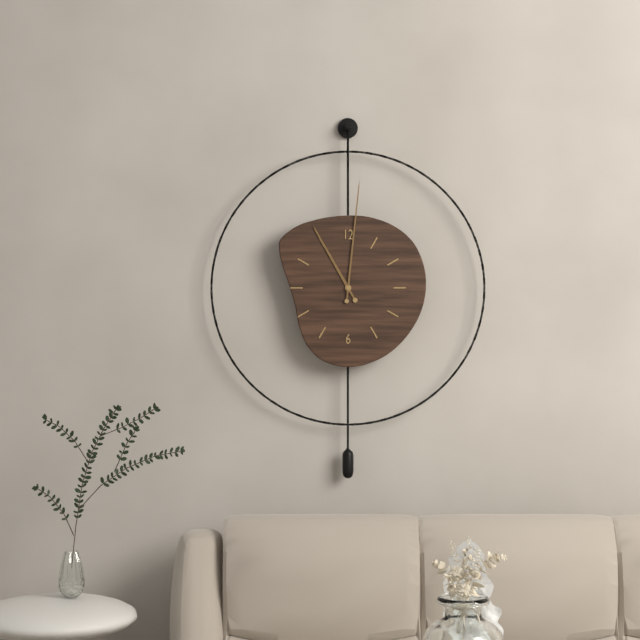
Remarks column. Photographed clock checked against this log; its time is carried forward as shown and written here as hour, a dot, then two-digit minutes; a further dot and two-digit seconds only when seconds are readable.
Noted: 11.01
